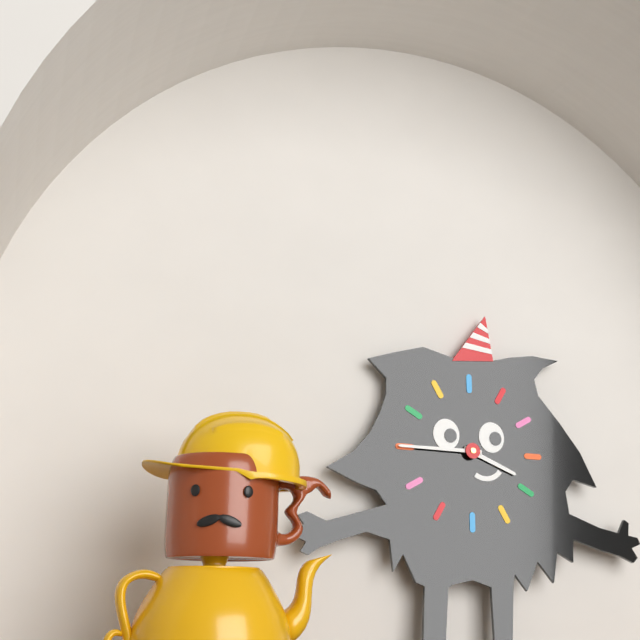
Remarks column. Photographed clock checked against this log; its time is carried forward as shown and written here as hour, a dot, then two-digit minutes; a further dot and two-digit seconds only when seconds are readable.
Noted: 3.45
